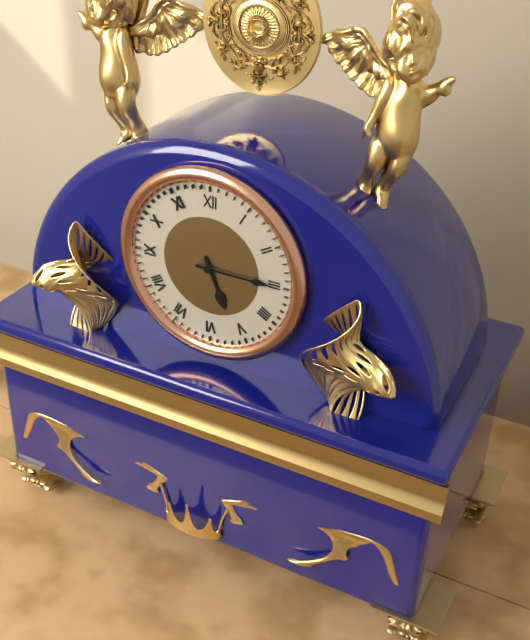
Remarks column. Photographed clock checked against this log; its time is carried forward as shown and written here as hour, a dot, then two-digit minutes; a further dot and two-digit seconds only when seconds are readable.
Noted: 5.15
